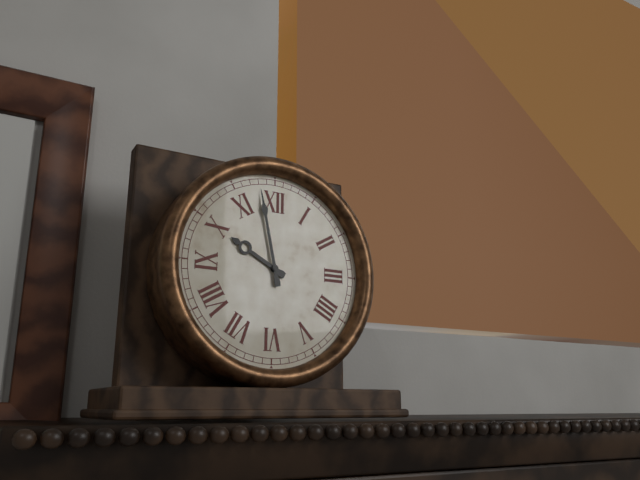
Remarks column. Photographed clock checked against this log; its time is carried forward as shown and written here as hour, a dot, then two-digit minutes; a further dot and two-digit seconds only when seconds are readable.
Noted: 9.58
